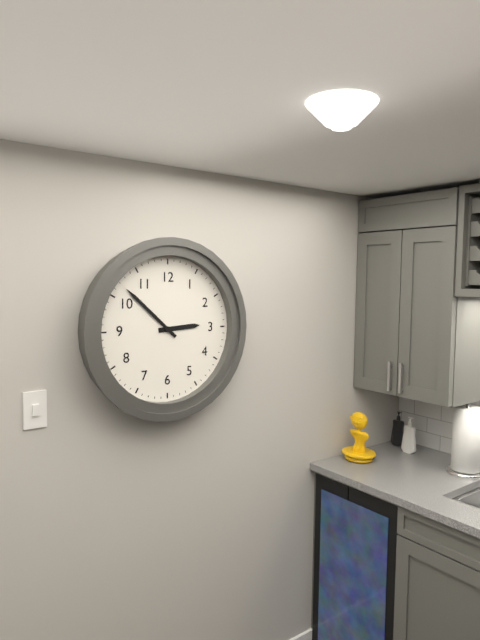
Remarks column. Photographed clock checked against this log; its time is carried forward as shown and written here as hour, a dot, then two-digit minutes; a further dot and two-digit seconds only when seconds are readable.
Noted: 2.52
